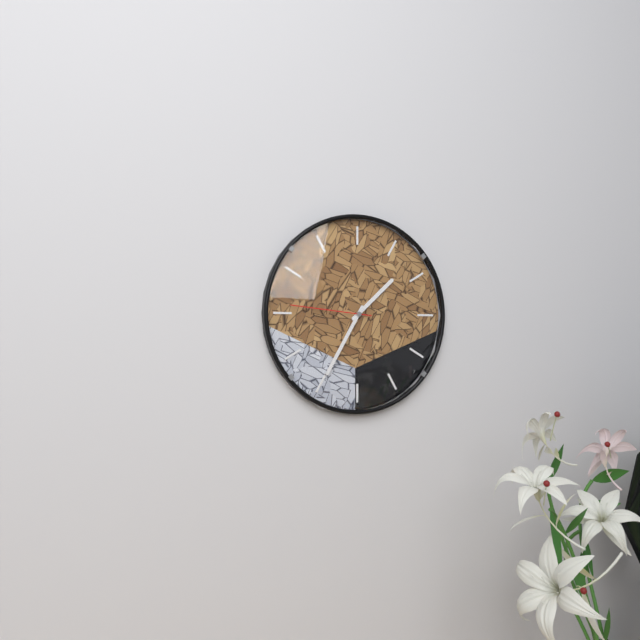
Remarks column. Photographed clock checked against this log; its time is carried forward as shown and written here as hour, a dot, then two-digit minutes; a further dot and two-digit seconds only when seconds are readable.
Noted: 1.35.46
